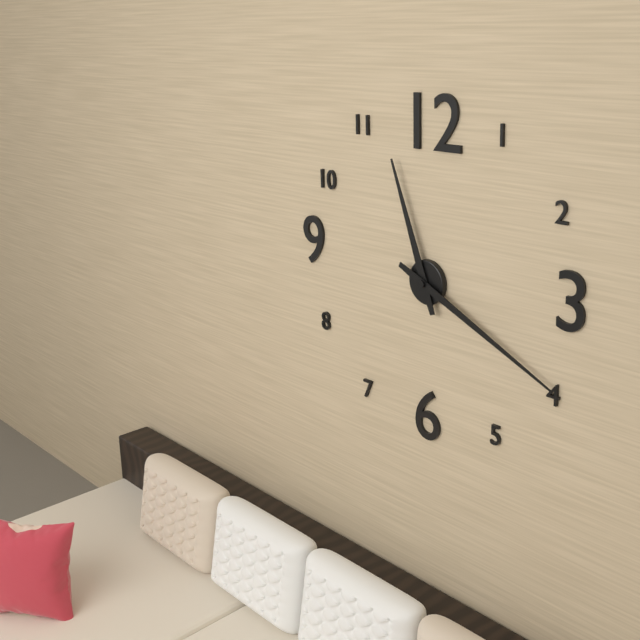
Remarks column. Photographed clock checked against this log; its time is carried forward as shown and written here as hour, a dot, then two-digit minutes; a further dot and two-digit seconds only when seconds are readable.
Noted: 11.19
